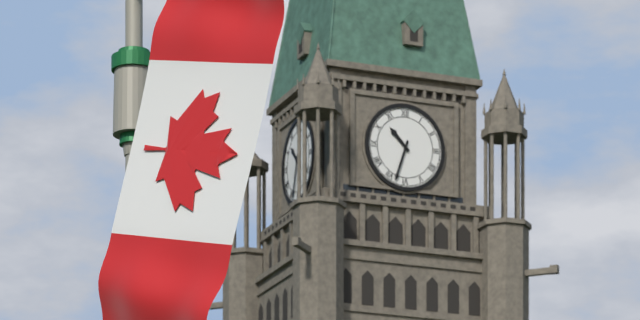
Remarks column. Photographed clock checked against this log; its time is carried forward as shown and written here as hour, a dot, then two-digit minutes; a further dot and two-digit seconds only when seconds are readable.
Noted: 10.33
